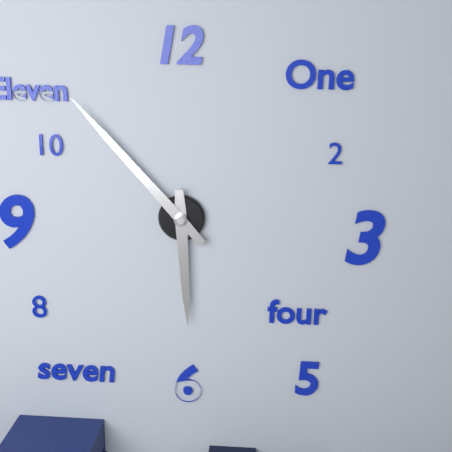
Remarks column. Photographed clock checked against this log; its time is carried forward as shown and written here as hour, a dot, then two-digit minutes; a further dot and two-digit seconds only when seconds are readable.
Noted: 5.53
